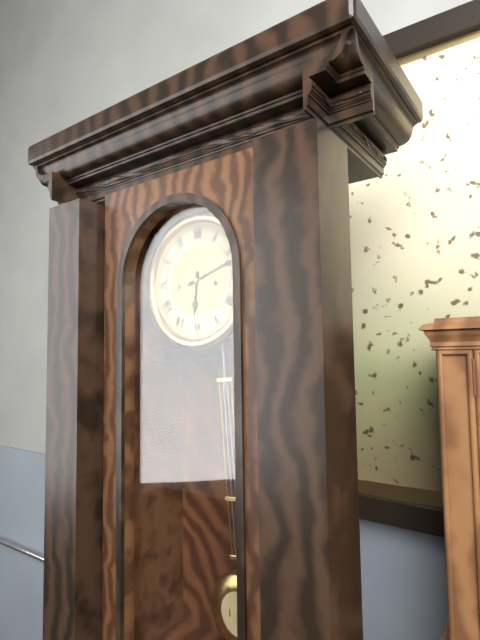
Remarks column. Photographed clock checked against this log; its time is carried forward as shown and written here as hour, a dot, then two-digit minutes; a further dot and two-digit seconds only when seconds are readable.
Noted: 6.12
